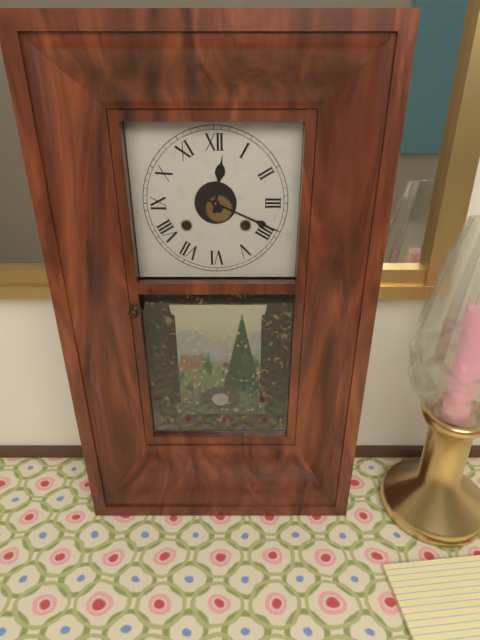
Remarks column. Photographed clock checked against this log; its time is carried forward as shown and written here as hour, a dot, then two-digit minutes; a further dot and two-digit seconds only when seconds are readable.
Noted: 12.19
